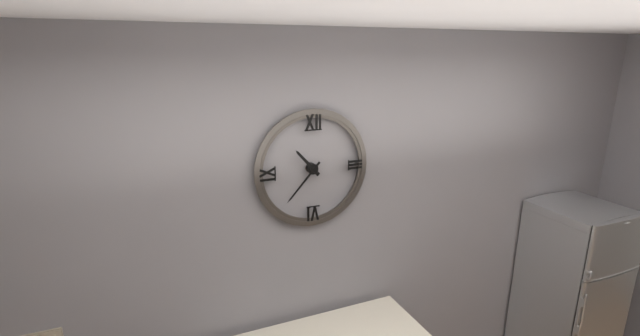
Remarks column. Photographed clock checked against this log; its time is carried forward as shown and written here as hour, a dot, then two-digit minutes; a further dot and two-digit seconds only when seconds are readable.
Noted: 10.37
